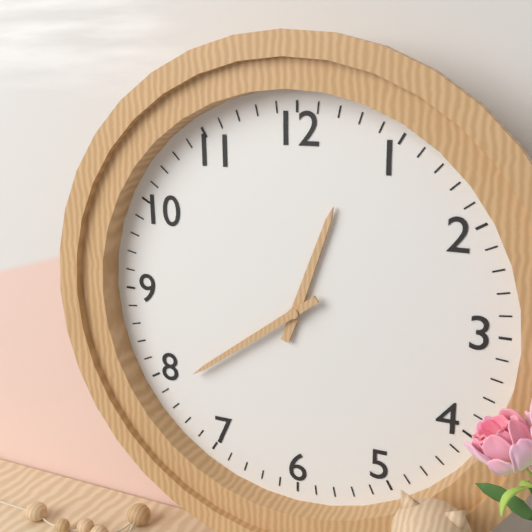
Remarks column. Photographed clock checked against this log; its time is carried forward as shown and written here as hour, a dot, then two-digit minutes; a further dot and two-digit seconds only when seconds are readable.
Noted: 12.39
